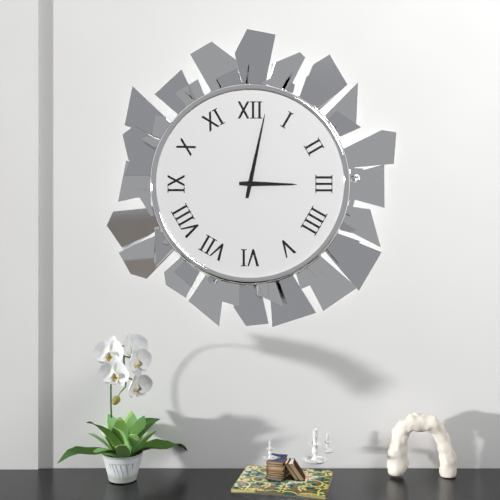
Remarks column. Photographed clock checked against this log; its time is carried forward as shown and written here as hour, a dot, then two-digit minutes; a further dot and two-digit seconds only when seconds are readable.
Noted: 3.02
